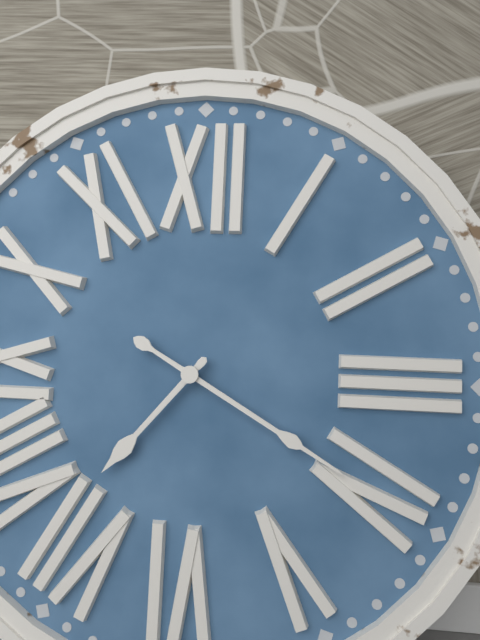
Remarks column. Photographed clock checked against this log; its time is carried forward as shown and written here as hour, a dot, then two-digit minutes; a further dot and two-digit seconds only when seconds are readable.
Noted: 7.20
